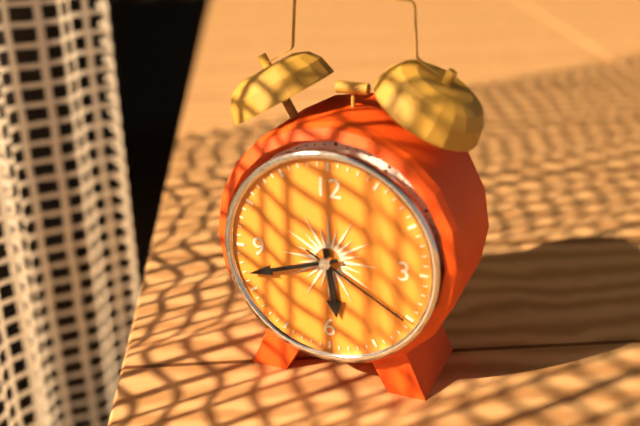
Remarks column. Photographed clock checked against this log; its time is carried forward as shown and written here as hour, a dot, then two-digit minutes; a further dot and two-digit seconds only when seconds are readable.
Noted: 5.42.20
